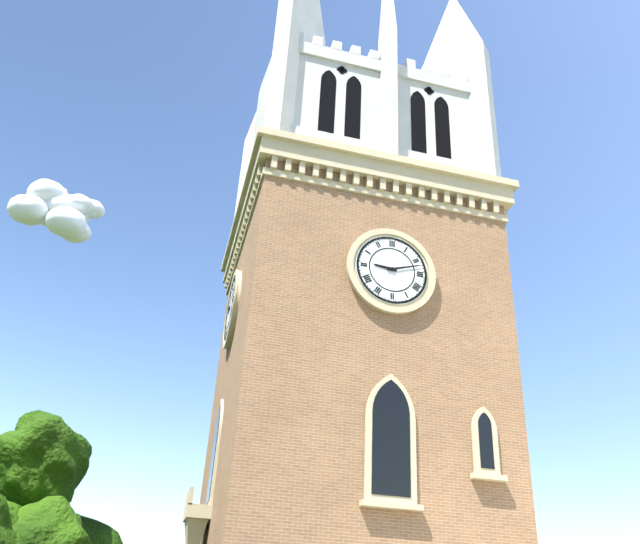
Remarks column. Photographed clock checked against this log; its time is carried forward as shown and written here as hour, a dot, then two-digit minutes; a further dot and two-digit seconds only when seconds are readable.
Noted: 9.12
